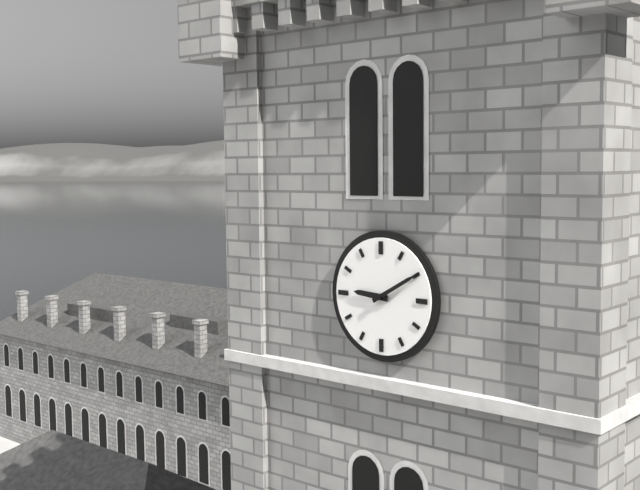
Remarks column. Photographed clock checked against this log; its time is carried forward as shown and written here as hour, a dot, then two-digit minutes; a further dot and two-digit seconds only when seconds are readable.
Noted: 9.10
